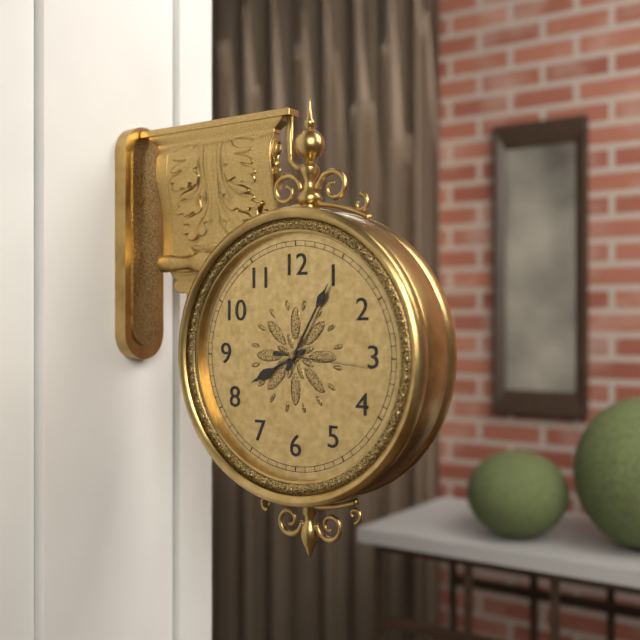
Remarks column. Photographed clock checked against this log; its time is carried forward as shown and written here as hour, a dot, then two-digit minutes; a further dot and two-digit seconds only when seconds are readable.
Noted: 8.05.16
